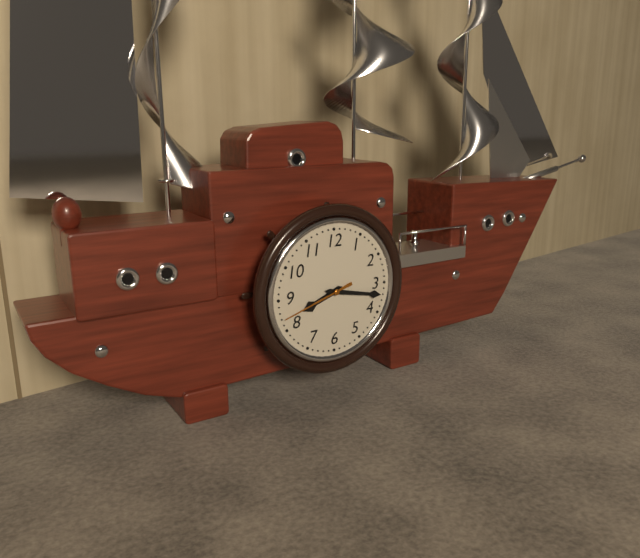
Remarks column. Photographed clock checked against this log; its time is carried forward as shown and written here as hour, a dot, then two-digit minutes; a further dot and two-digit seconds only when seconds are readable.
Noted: 8.17.42
